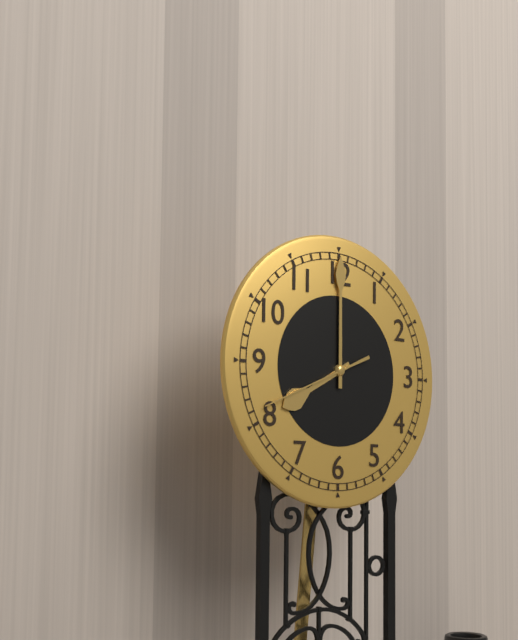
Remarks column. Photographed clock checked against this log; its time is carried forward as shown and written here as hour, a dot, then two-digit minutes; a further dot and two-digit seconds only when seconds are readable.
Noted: 8.00.41
